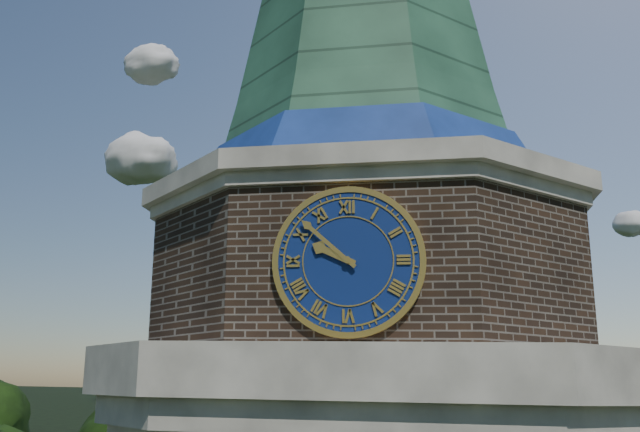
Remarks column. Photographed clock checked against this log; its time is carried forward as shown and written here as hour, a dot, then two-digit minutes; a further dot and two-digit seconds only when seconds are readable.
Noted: 9.52
